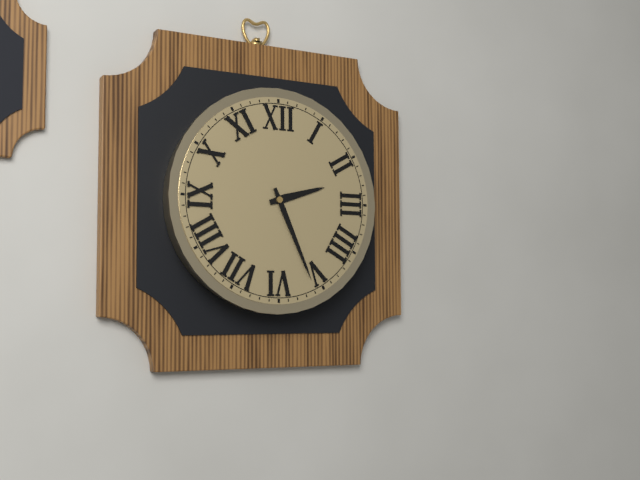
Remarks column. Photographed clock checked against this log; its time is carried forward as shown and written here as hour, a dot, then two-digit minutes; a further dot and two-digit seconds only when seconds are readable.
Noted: 2.26
